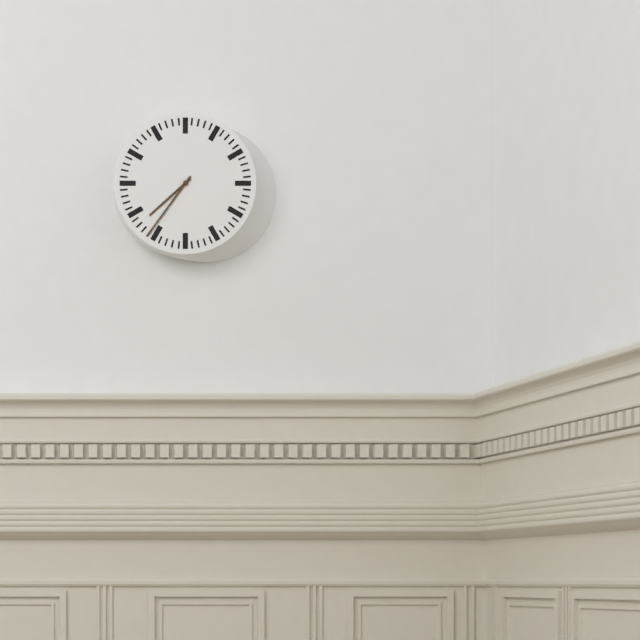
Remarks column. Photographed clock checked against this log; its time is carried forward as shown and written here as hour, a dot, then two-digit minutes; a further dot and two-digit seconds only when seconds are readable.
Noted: 7.36
